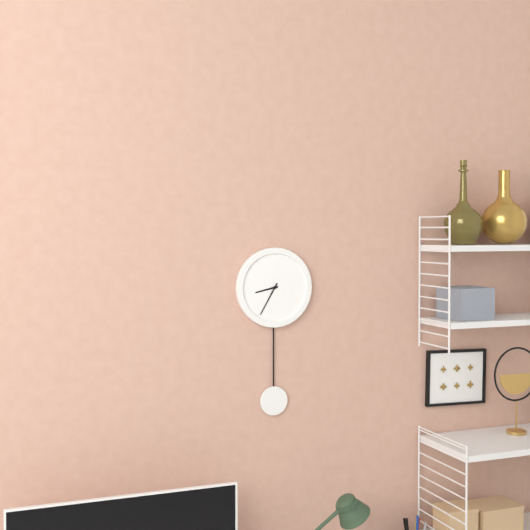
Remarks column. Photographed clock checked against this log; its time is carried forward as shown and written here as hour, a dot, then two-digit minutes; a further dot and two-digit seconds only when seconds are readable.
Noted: 8.35
